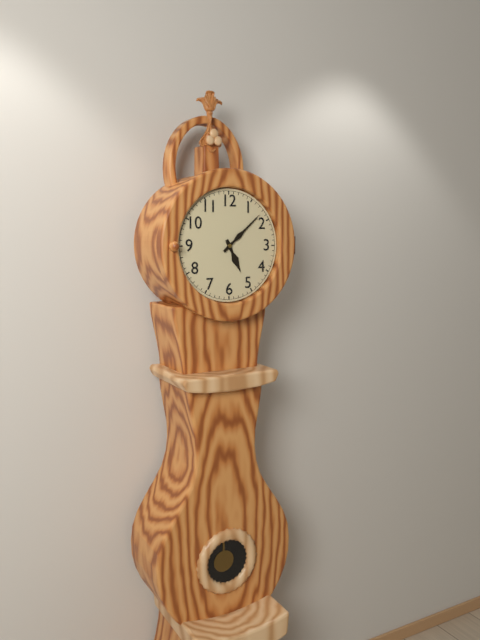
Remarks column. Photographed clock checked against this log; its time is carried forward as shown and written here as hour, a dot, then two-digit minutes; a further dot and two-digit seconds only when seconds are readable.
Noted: 5.08
